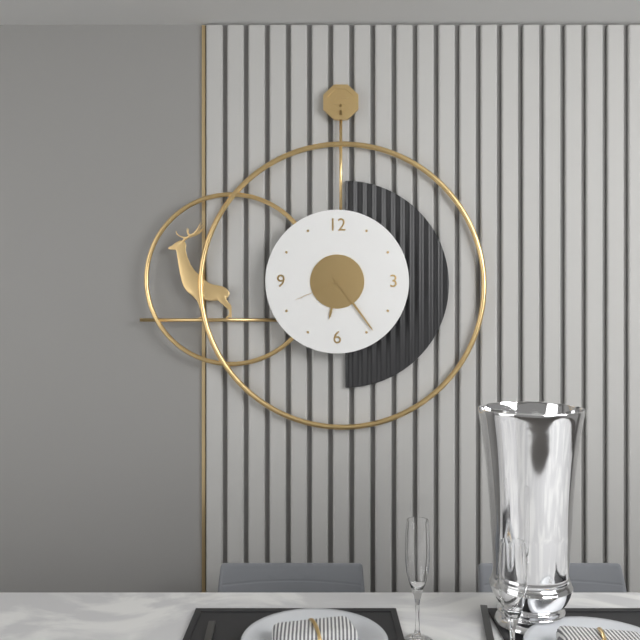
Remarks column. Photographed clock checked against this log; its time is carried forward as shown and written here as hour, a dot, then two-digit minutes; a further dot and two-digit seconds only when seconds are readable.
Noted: 6.24.41
